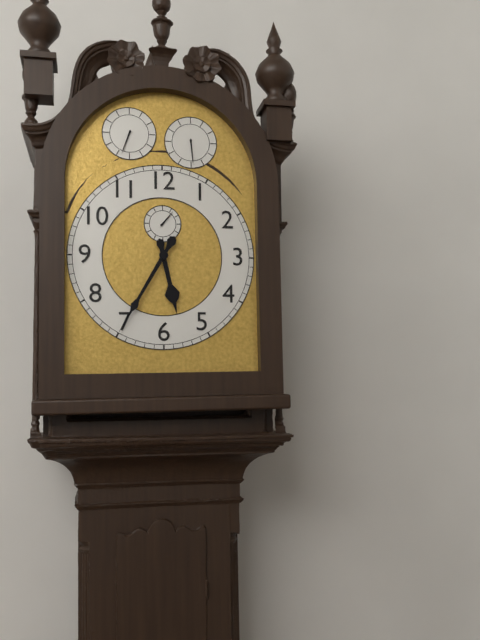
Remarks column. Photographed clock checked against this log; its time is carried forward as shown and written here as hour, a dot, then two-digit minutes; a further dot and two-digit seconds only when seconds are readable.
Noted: 5.35
